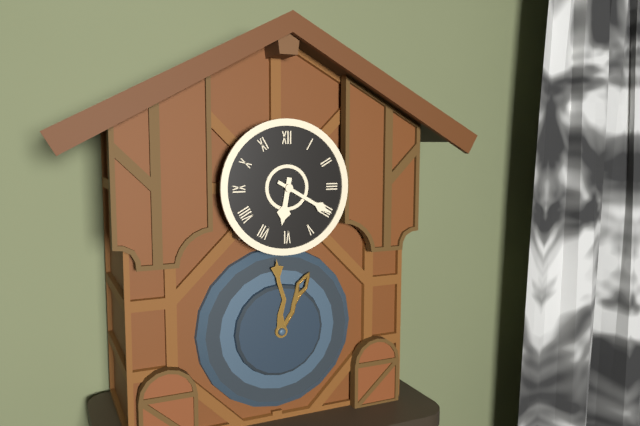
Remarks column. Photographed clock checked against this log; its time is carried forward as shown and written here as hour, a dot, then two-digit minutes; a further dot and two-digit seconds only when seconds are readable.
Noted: 6.20
